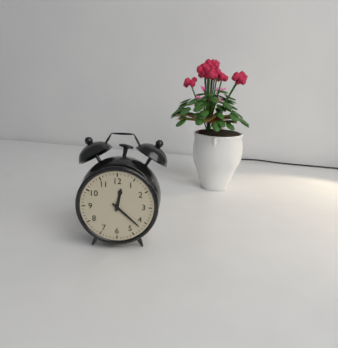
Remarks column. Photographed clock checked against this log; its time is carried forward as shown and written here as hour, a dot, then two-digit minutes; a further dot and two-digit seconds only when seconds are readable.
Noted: 12.22
